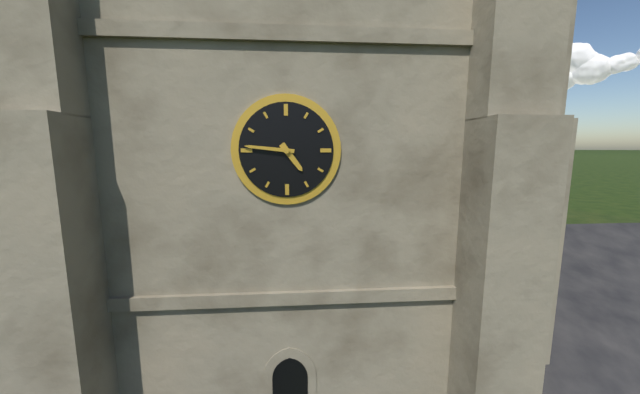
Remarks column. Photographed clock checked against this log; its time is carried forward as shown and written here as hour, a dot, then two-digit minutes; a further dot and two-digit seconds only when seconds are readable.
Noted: 4.46
